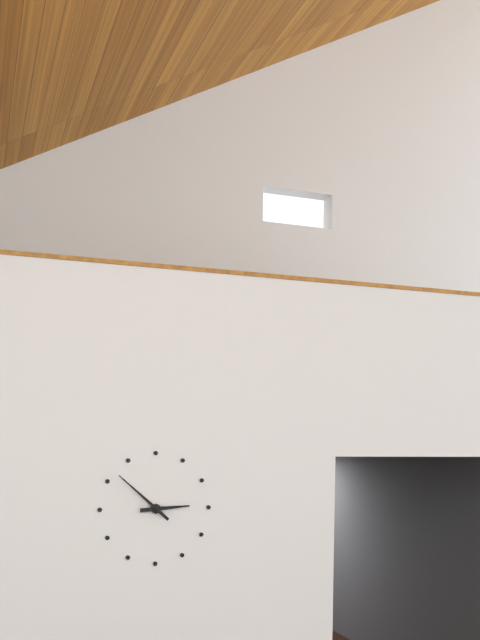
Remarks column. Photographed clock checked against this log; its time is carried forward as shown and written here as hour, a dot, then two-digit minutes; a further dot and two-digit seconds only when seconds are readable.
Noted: 2.52
